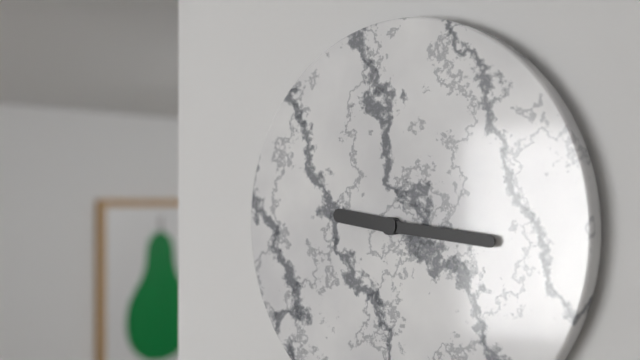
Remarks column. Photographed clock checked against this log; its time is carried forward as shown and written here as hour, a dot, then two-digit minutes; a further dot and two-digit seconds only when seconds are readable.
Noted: 9.16
